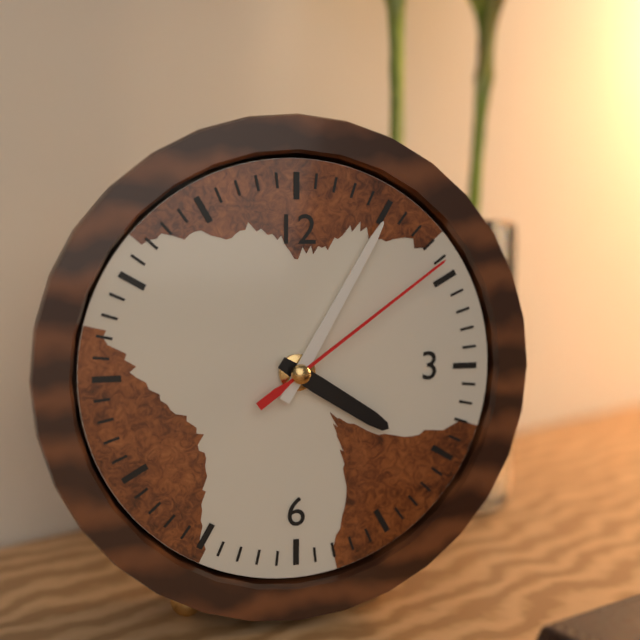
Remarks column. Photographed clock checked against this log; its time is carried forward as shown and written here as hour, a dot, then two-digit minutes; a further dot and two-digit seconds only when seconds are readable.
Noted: 4.05.09
